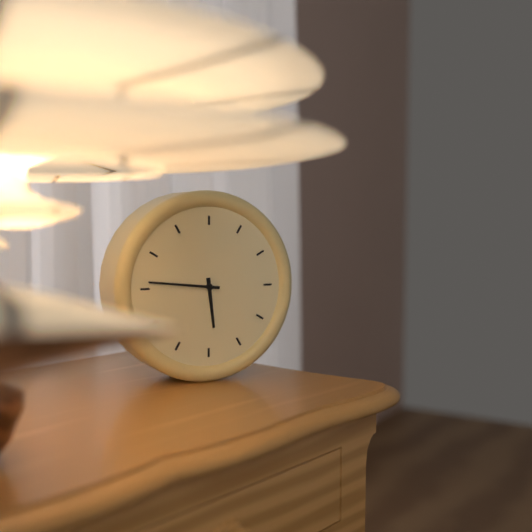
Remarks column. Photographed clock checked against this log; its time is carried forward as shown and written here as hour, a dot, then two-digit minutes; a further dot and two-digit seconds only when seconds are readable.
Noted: 5.46
